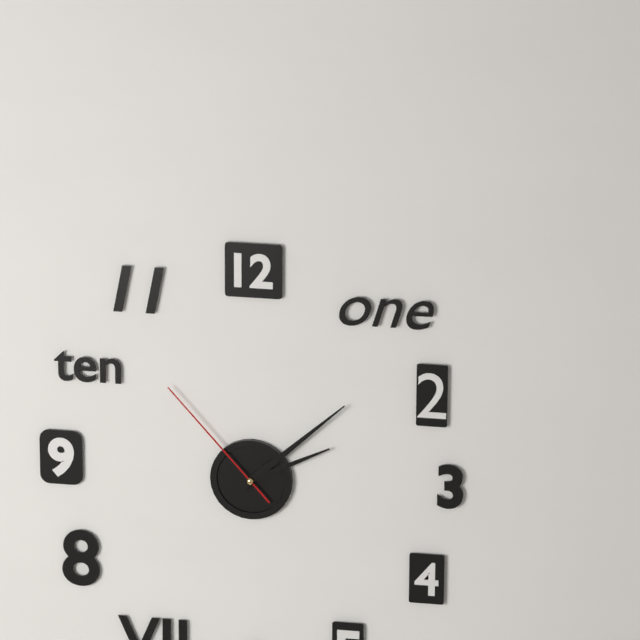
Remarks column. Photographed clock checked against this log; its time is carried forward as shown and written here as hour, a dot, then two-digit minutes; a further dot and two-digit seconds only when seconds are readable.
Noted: 2.08.53
